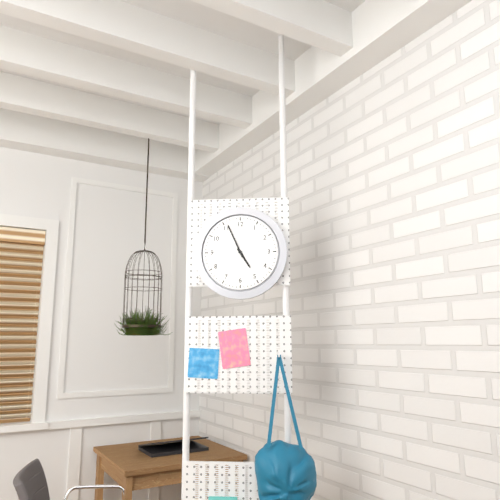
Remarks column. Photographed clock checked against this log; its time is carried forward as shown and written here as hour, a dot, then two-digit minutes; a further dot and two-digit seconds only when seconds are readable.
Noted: 4.56
